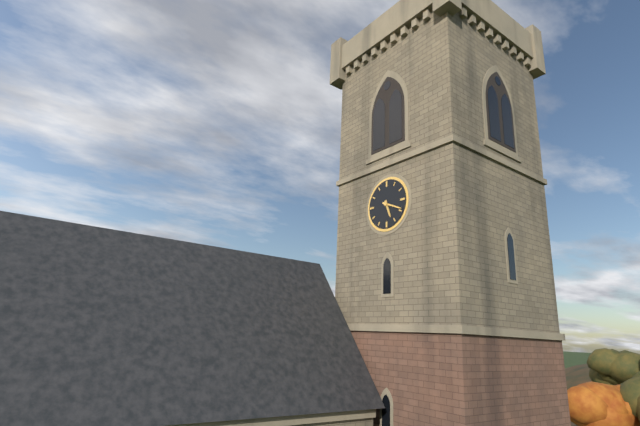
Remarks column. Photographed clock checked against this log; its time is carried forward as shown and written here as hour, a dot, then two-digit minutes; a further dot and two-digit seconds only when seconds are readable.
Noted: 5.19
